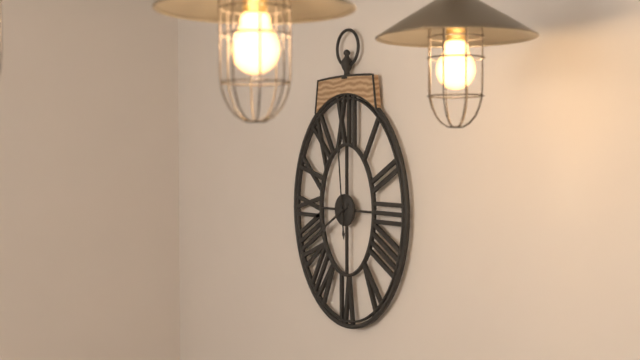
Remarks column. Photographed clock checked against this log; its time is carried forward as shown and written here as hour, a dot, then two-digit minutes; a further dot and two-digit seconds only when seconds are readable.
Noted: 7.59
